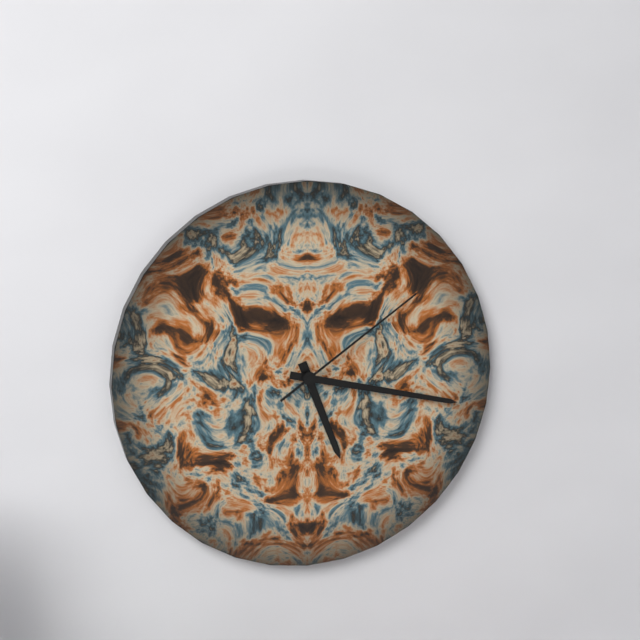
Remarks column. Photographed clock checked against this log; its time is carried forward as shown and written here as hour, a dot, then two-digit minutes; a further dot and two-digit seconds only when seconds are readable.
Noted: 5.17.09
